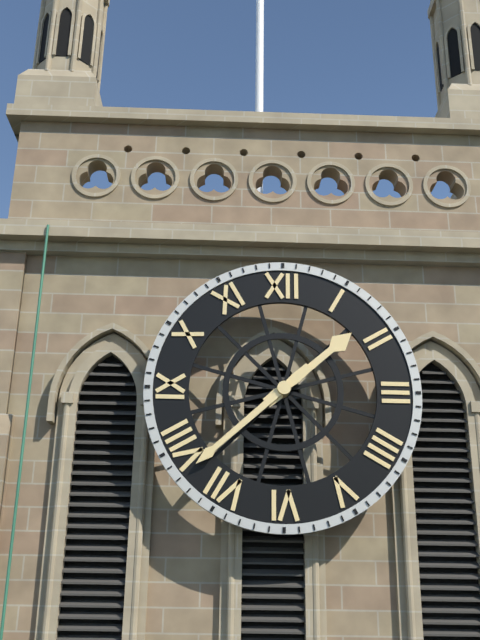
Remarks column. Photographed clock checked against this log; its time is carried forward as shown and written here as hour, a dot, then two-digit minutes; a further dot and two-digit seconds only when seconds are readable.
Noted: 1.38
